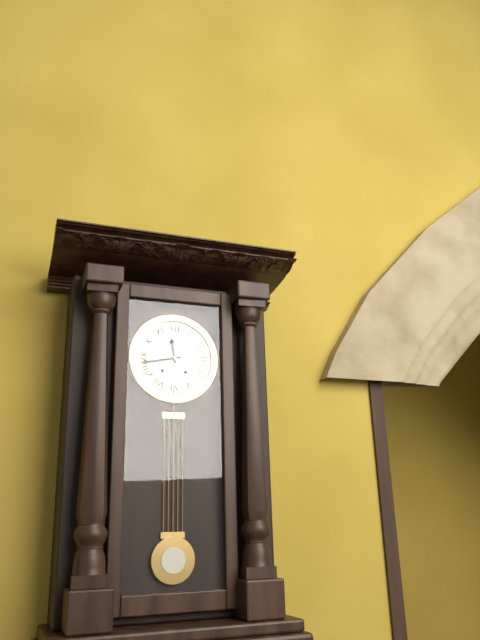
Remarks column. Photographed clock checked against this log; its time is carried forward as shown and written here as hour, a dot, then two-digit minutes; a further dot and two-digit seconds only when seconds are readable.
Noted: 11.43
